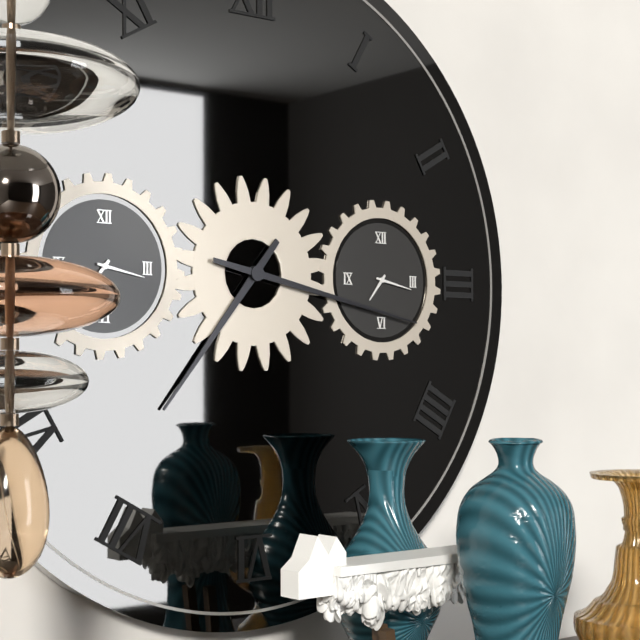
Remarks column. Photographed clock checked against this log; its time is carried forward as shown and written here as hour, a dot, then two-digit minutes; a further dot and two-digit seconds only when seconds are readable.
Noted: 7.17
